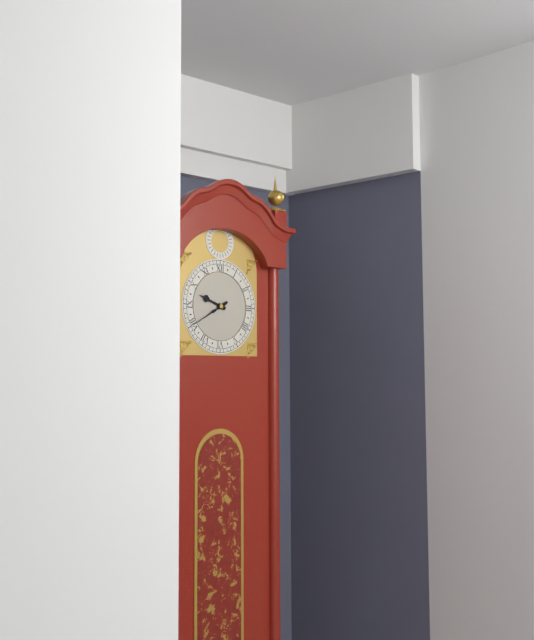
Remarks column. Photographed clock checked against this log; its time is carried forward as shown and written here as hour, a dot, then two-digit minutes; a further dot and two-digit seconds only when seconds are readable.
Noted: 9.40
